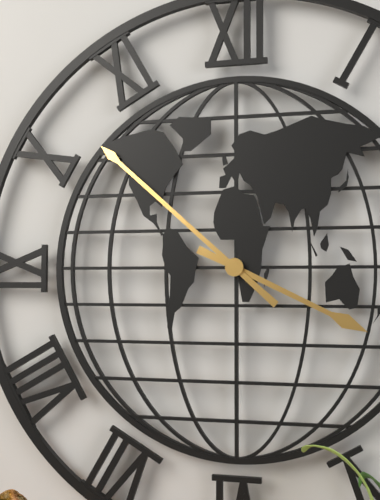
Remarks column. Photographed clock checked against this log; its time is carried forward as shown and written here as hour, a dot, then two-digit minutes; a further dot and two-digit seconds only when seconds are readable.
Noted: 3.52
